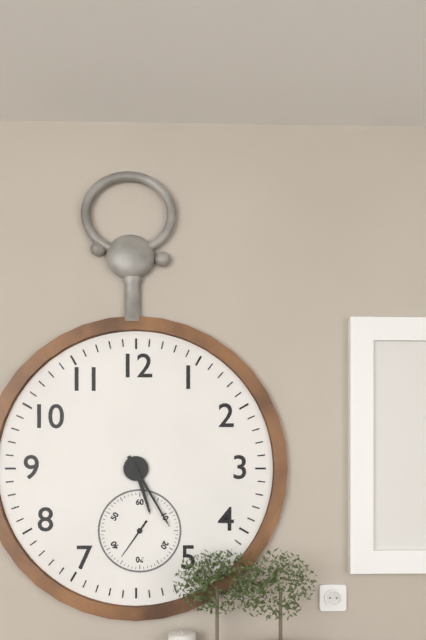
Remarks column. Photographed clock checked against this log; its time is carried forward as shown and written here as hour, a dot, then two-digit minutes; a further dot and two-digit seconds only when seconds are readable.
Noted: 5.25
